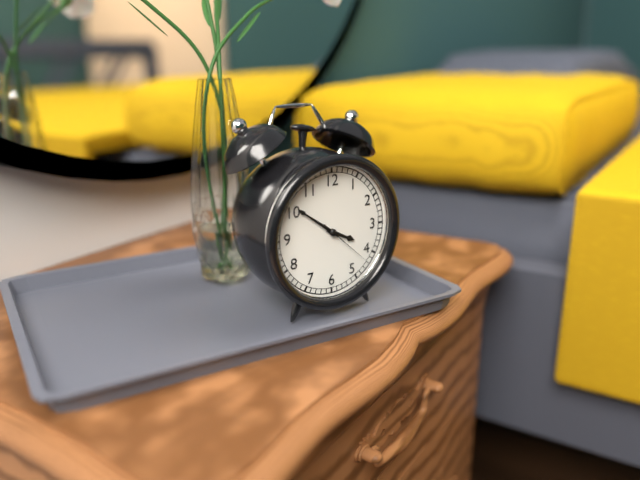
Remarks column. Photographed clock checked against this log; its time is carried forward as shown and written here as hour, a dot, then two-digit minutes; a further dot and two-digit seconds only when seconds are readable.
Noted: 3.51.22
